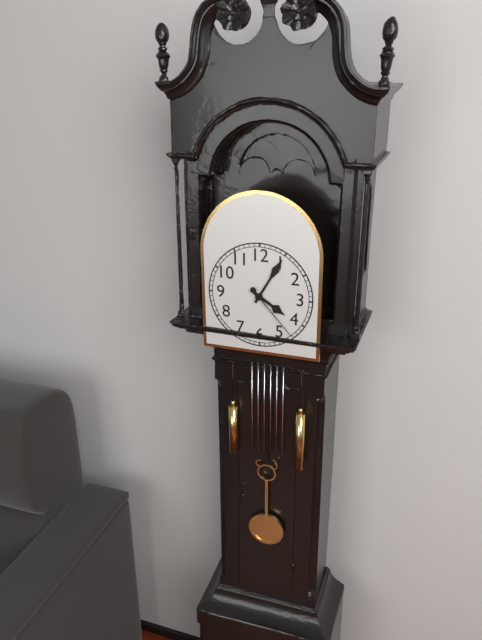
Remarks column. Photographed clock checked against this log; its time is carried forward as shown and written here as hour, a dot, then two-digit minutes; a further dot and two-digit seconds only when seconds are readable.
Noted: 4.05.23
